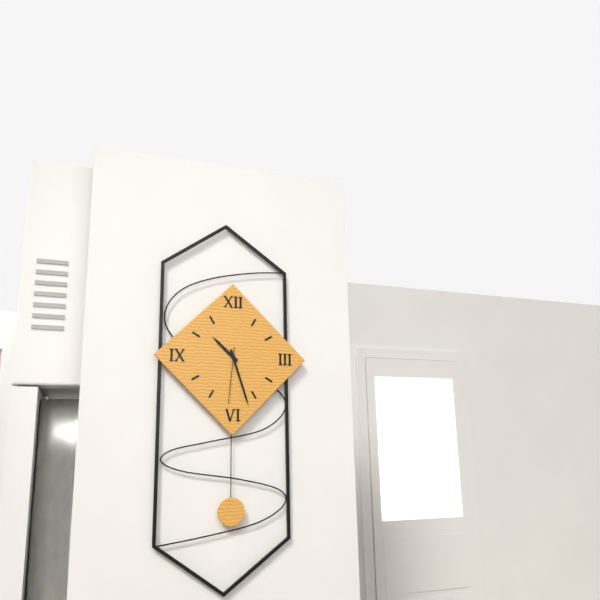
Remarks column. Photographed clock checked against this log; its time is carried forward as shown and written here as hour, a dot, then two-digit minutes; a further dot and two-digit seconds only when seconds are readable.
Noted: 10.27.31
